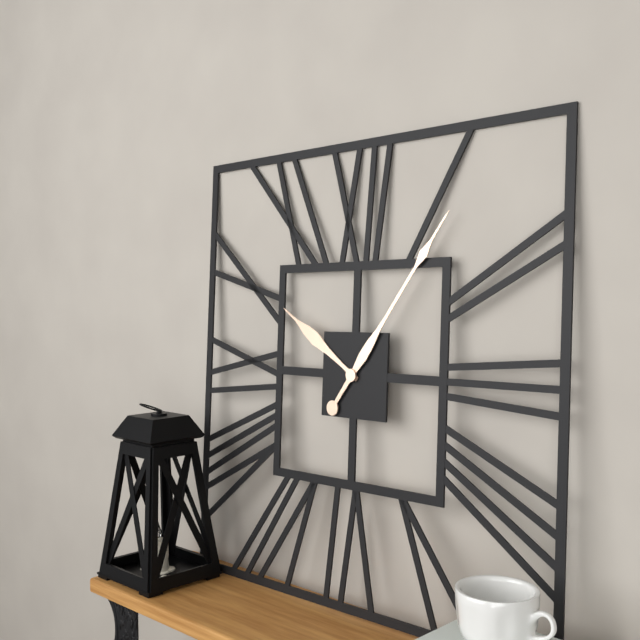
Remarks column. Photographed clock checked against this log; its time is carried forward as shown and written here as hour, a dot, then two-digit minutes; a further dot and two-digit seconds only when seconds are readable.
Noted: 10.06
